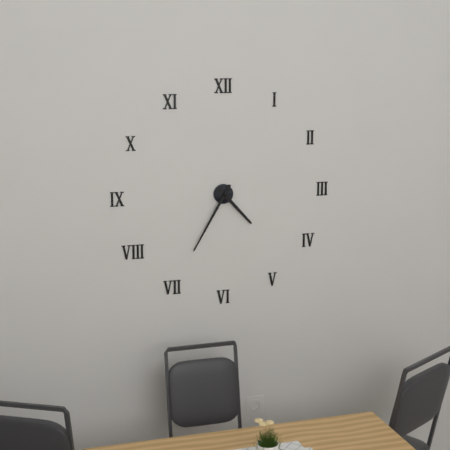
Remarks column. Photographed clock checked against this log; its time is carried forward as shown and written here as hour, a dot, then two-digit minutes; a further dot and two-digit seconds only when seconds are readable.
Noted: 4.35
